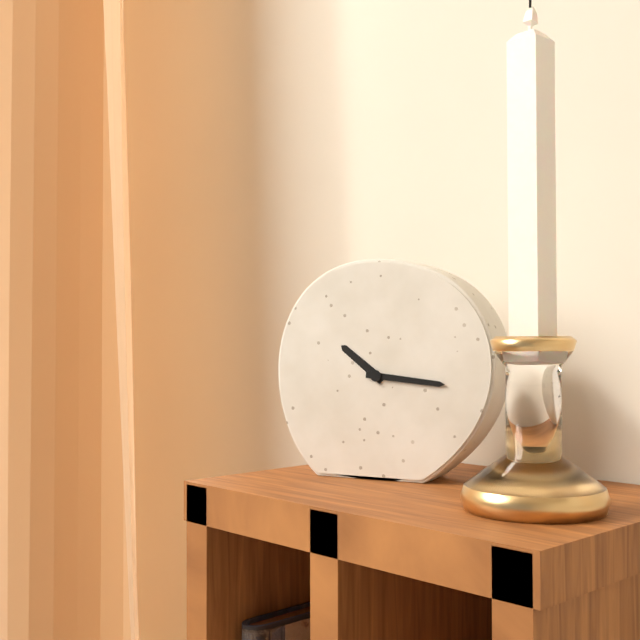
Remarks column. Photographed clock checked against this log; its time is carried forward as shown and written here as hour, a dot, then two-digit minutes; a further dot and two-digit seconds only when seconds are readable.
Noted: 10.16
